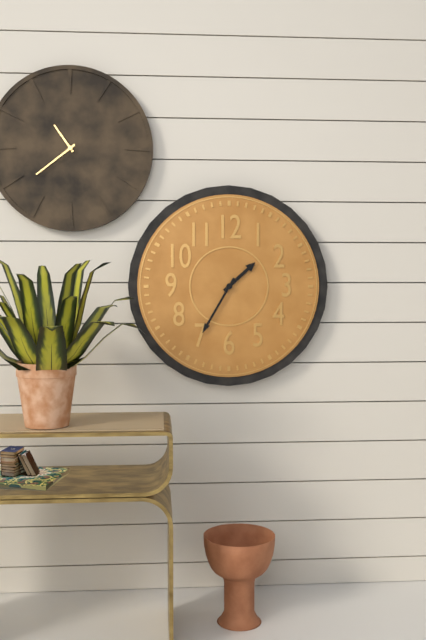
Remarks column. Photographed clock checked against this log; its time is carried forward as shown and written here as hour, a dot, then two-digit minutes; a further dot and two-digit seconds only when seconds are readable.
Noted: 1.35
